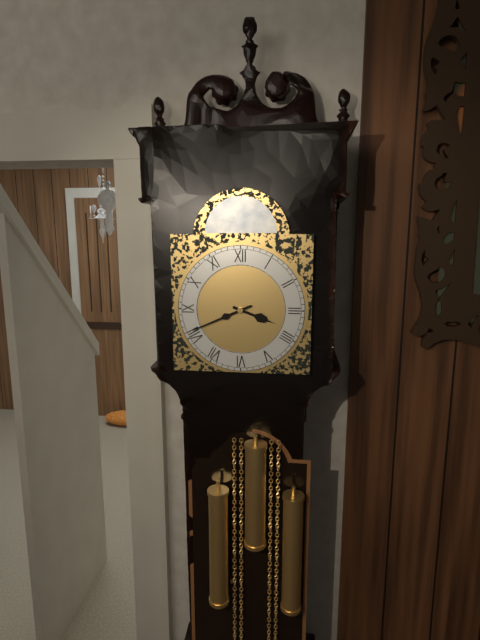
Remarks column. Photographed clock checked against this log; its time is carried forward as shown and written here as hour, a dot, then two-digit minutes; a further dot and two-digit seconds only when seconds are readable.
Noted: 3.41
